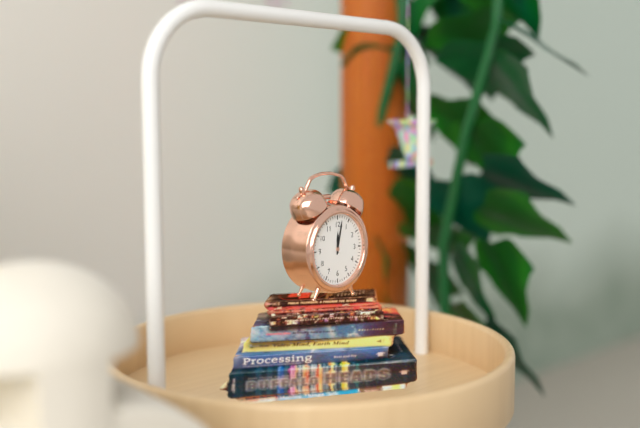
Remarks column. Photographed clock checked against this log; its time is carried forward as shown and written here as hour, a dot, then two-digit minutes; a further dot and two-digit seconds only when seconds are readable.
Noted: 12.02
